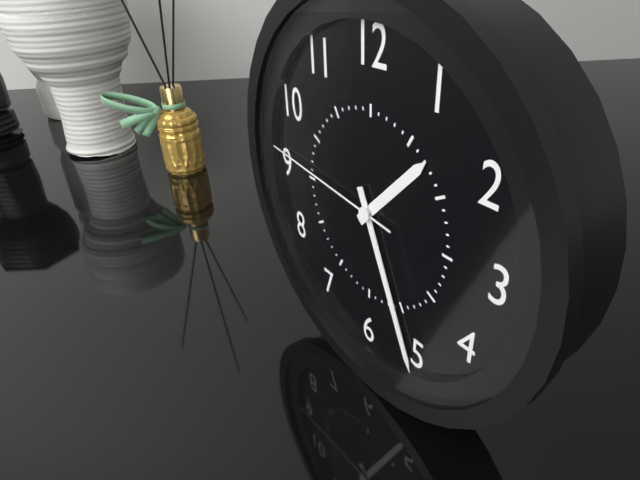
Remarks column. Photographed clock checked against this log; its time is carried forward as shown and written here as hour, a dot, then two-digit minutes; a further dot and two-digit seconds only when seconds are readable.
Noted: 1.26.46
